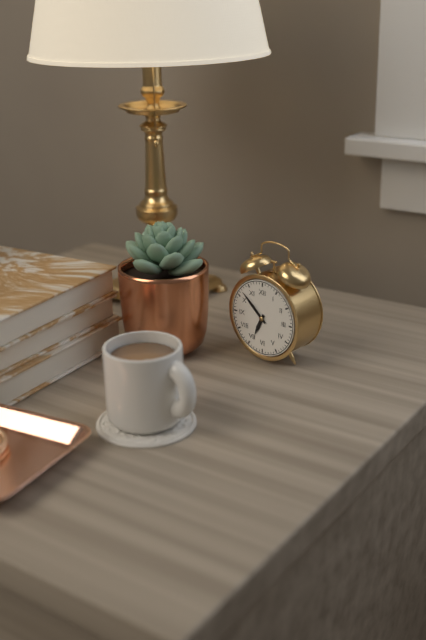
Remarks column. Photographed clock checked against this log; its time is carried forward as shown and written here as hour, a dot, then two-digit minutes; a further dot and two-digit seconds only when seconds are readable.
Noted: 6.52
